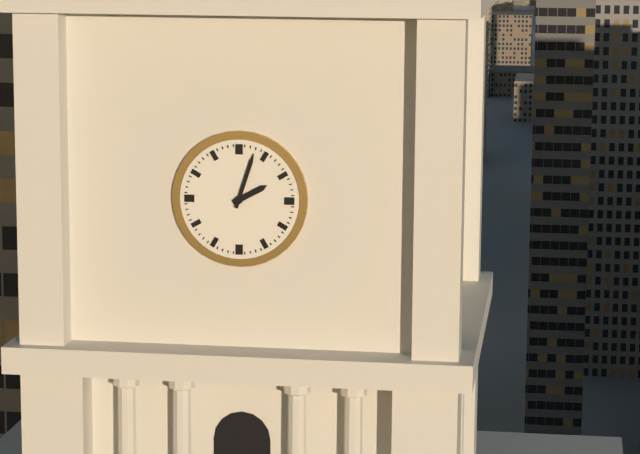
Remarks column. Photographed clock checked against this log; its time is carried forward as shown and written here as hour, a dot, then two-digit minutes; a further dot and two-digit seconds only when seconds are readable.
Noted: 2.03
